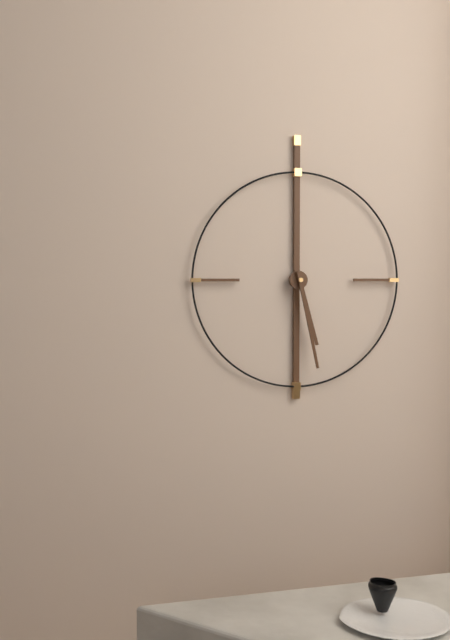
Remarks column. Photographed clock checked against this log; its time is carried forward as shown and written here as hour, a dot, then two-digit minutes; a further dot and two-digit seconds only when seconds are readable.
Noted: 5.28
